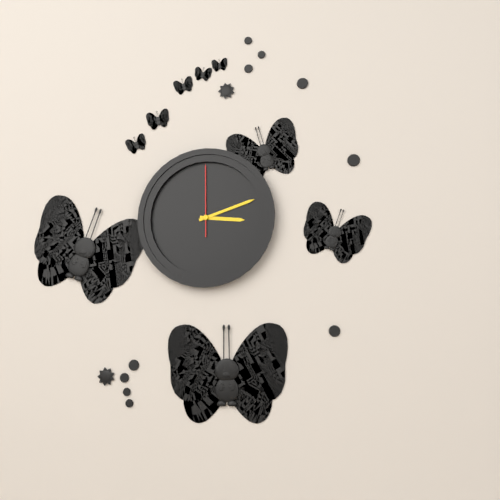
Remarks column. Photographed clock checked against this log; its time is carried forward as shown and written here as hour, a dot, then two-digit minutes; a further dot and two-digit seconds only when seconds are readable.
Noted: 3.12.00
